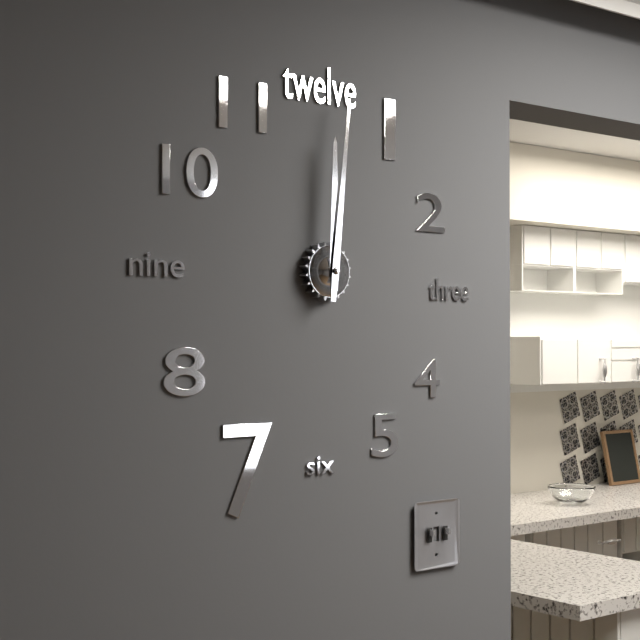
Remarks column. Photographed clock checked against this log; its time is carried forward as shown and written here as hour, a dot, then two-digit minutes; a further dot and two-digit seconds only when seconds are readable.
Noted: 12.01
